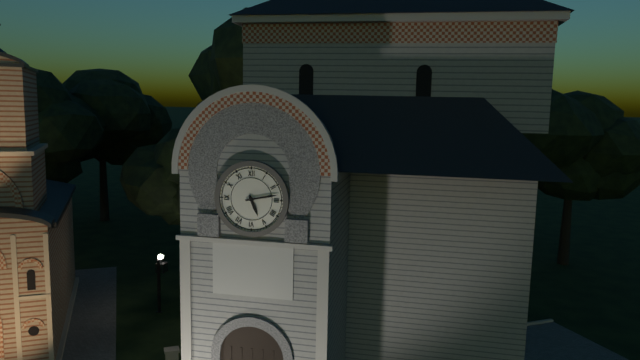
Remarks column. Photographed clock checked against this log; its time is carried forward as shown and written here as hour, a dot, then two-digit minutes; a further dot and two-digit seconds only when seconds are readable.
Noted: 5.13
